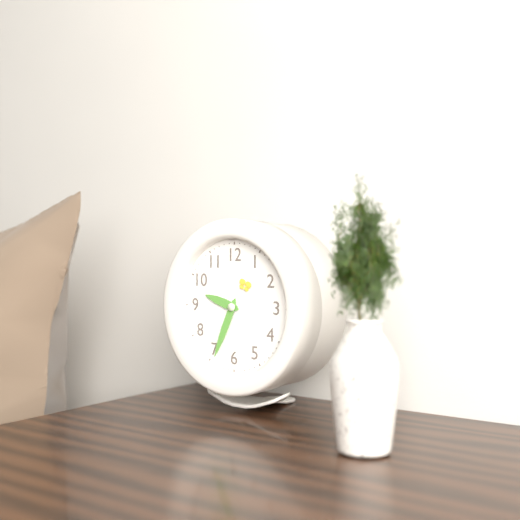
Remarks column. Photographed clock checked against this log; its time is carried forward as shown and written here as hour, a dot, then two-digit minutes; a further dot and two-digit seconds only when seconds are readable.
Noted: 9.34
